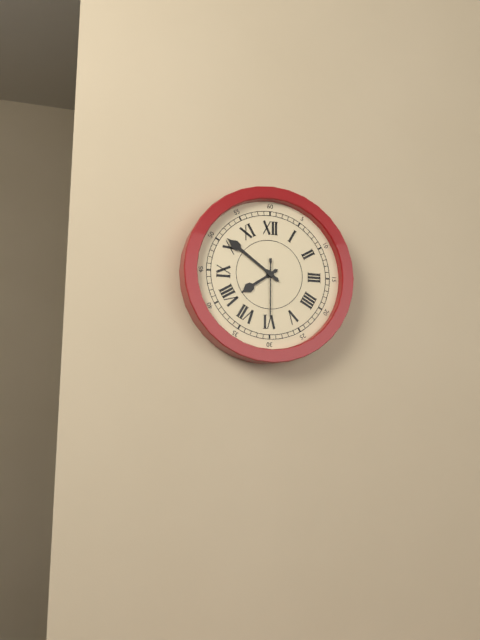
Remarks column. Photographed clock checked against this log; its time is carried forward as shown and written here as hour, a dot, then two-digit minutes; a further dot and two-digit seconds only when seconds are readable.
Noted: 7.51.30
